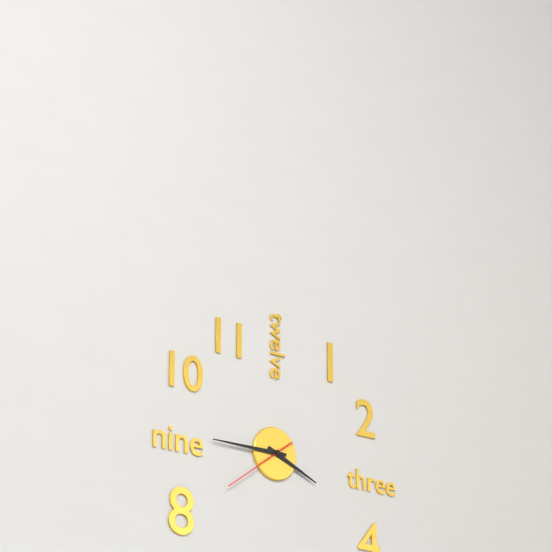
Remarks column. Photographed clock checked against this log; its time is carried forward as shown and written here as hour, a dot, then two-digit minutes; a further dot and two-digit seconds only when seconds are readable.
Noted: 3.45.39
